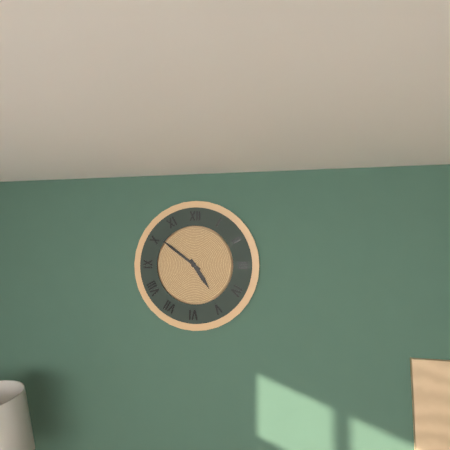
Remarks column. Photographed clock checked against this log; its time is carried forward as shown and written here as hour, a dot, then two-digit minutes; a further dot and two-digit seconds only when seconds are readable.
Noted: 4.51
